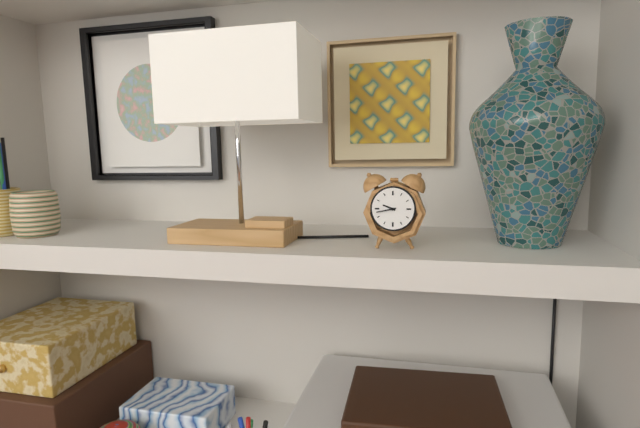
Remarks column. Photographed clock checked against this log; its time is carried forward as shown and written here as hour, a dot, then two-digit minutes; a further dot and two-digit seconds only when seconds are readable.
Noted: 9.43
